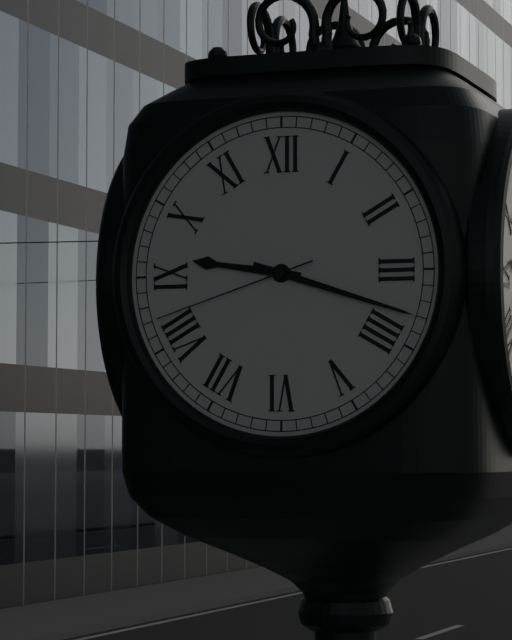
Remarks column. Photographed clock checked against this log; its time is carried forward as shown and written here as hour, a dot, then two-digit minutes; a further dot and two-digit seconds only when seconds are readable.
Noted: 9.18.42
